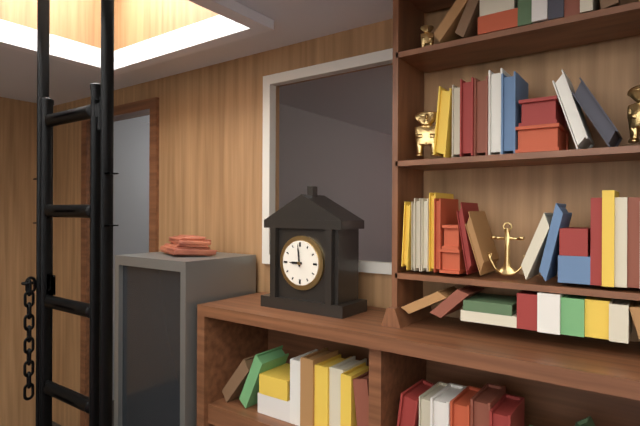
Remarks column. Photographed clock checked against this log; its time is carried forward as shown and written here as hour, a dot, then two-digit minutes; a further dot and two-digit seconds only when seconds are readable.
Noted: 8.59
